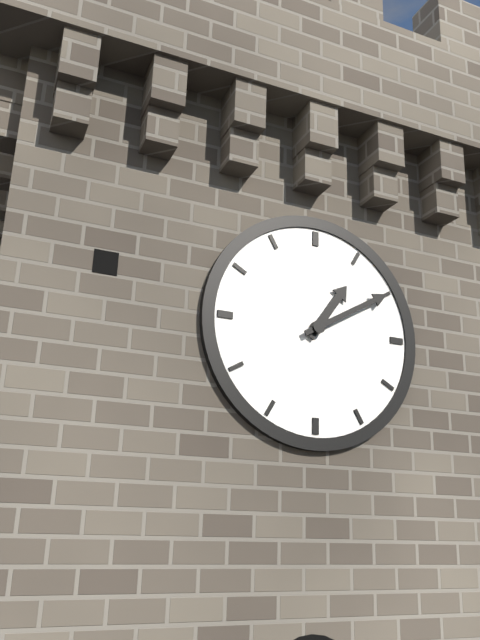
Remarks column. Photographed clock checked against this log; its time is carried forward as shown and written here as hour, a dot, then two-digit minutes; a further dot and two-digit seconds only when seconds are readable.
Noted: 1.10
